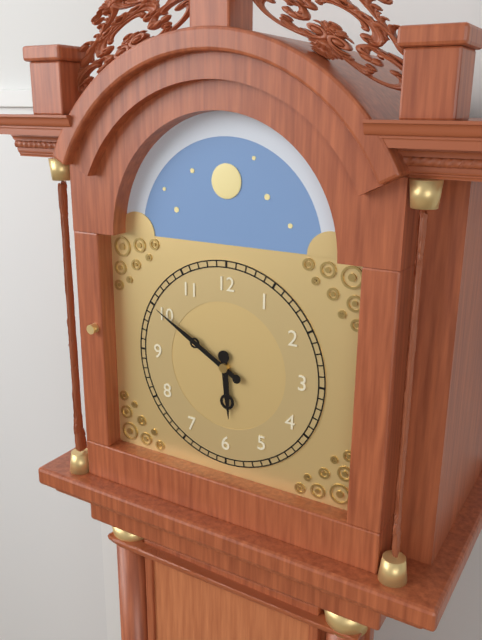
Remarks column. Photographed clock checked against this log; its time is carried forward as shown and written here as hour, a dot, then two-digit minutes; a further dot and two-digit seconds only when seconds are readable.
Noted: 5.50
